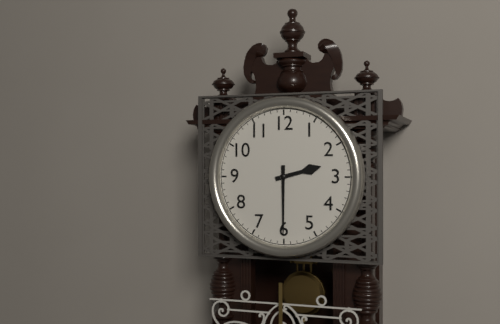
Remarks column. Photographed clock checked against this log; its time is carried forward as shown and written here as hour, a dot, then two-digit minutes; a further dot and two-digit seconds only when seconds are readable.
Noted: 2.30
